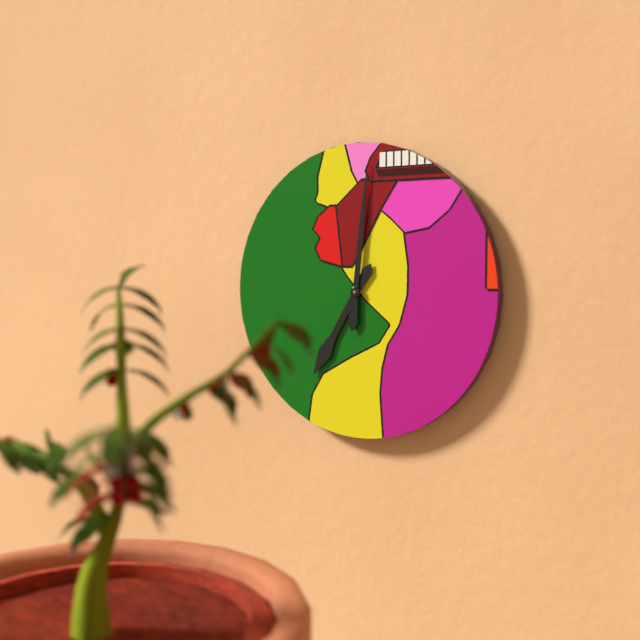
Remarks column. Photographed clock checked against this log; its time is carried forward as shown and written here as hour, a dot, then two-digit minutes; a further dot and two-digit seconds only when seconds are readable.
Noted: 7.01
